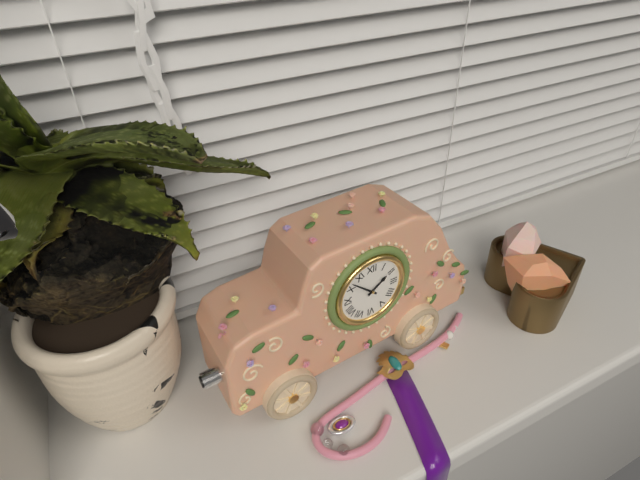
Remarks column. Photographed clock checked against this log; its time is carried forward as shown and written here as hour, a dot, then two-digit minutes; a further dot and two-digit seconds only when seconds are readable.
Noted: 1.52
